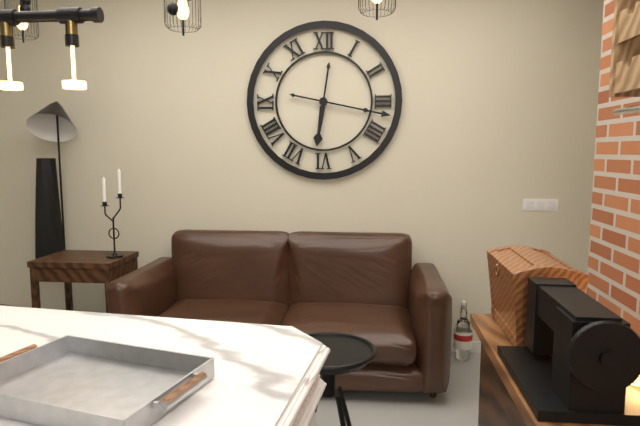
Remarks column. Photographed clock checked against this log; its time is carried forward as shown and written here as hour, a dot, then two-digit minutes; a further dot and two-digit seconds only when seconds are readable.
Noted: 6.17
